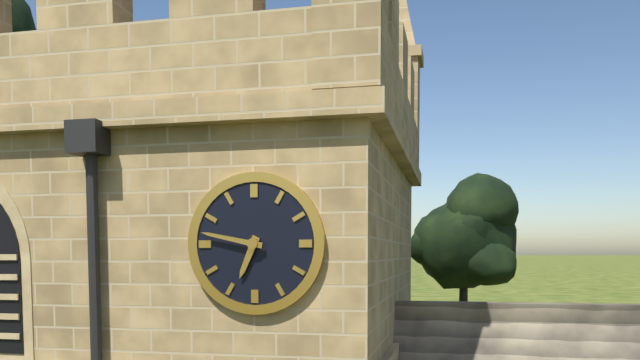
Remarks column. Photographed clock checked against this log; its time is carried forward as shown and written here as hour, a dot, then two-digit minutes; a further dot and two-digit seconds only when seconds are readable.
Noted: 6.47
